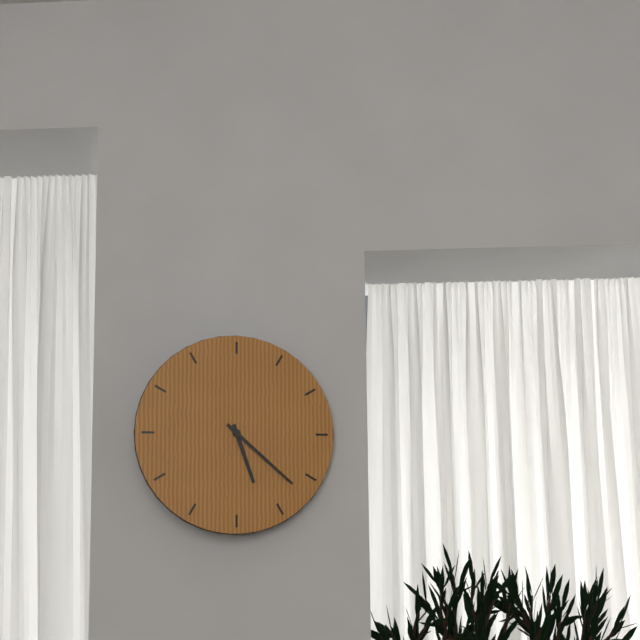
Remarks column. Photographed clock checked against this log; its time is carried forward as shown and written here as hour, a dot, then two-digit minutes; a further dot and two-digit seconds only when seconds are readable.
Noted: 5.22
